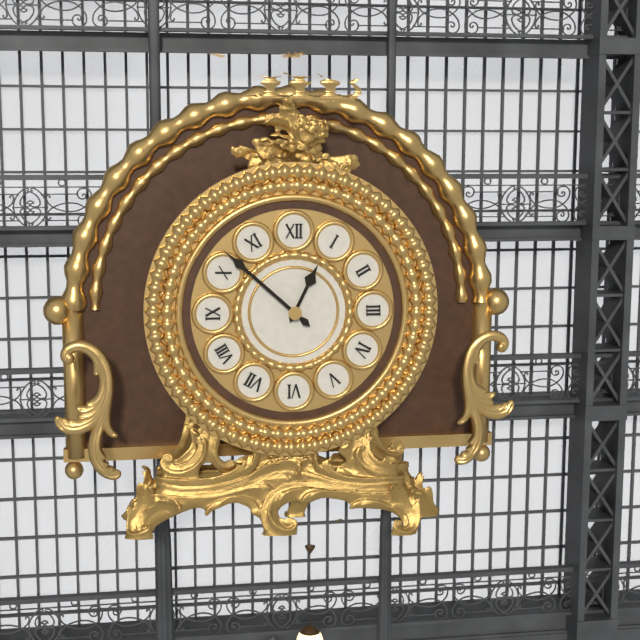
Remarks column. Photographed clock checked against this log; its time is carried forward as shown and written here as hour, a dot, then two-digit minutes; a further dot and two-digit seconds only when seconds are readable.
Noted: 12.52
